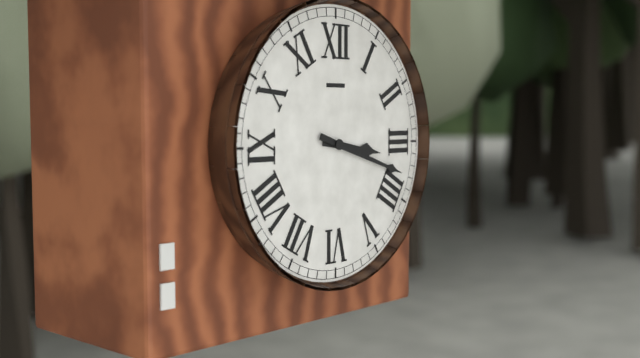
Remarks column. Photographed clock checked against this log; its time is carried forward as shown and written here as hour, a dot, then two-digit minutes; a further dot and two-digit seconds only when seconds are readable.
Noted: 3.18
